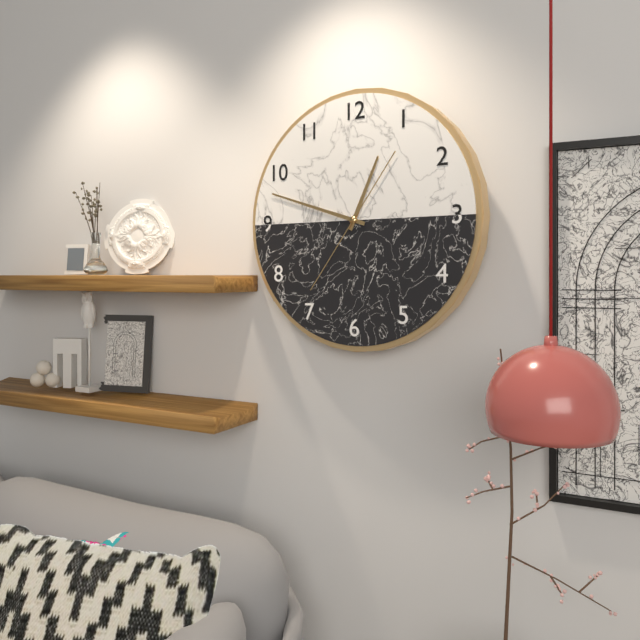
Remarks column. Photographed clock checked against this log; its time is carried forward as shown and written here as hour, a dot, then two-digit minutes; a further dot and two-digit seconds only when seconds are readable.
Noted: 12.48.36
